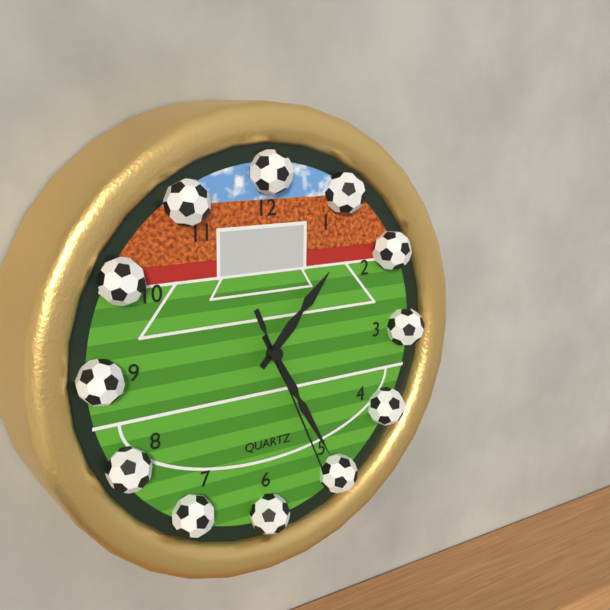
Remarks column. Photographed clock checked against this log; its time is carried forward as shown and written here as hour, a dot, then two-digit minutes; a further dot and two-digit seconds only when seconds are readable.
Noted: 1.25.26
